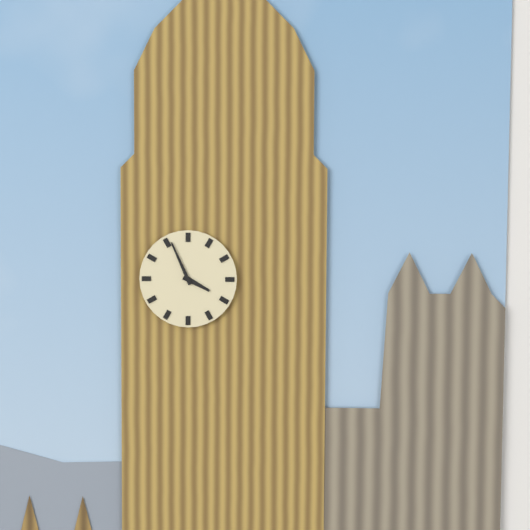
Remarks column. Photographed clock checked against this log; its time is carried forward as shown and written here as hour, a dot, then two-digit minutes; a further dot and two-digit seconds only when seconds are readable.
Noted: 3.56
